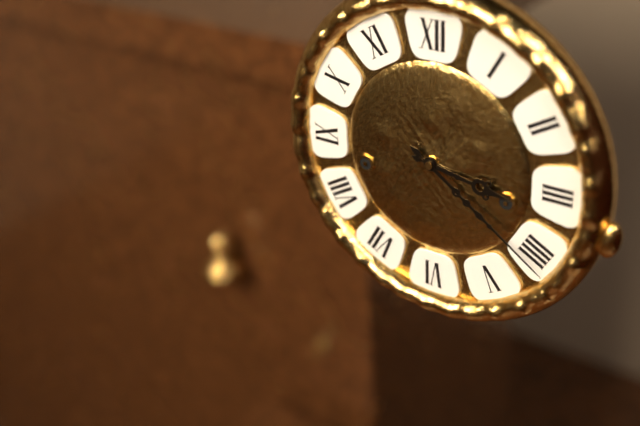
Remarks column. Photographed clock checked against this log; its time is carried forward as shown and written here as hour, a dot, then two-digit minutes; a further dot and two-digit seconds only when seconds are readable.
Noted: 3.21
